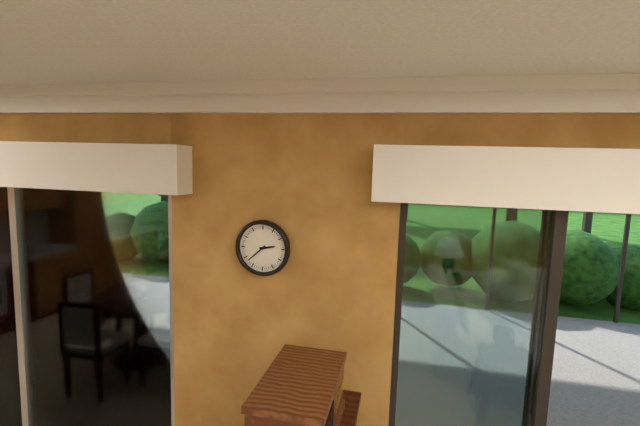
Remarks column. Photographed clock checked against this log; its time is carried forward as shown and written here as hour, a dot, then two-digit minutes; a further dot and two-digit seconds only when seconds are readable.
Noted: 2.38
